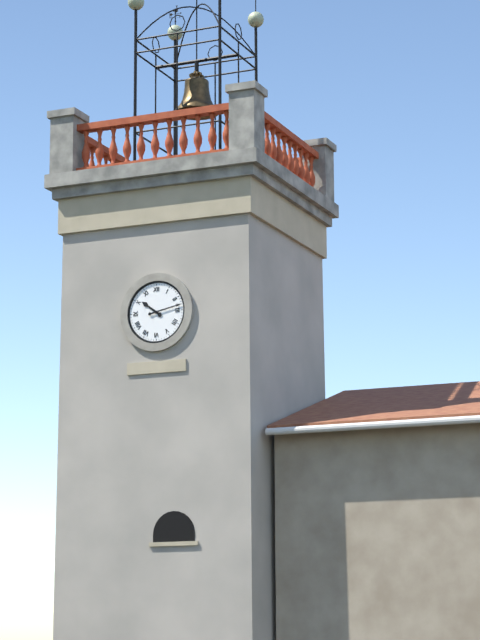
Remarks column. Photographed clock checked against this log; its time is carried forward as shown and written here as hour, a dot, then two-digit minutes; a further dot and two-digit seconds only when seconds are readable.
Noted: 10.13
